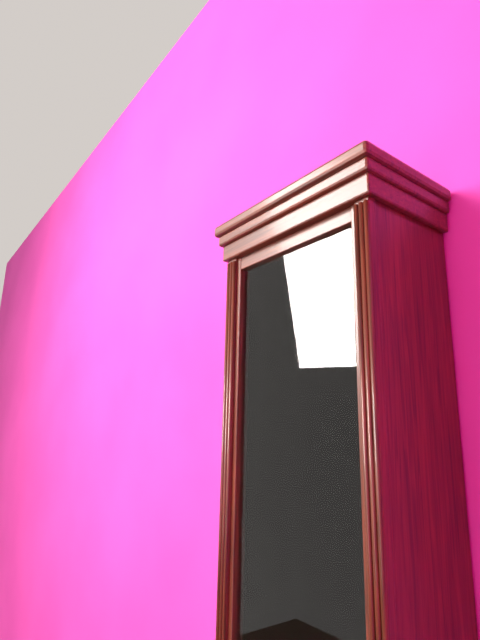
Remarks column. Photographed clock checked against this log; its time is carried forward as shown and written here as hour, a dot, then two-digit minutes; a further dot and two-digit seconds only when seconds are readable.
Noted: 9.55
